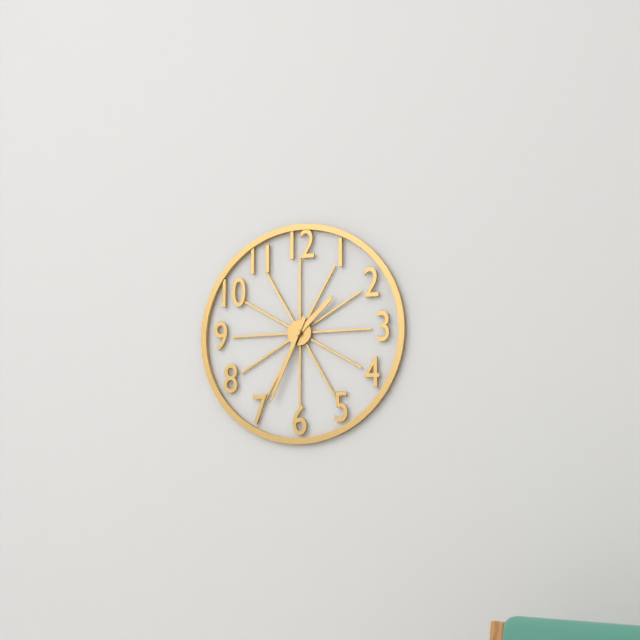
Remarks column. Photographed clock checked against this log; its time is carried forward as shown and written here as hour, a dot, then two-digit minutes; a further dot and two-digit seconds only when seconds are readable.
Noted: 1.34
